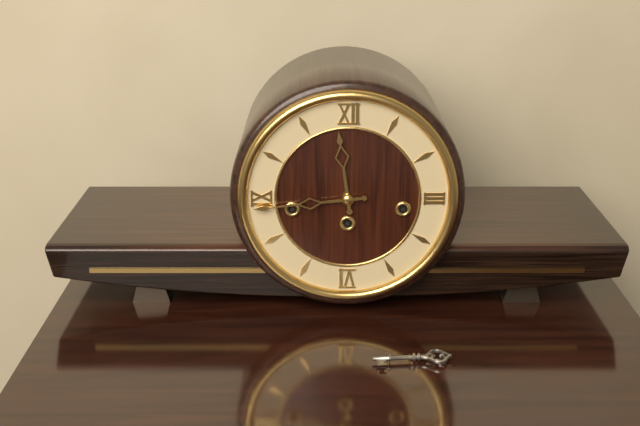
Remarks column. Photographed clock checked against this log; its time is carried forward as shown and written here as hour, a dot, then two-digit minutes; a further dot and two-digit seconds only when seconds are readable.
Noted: 11.44
